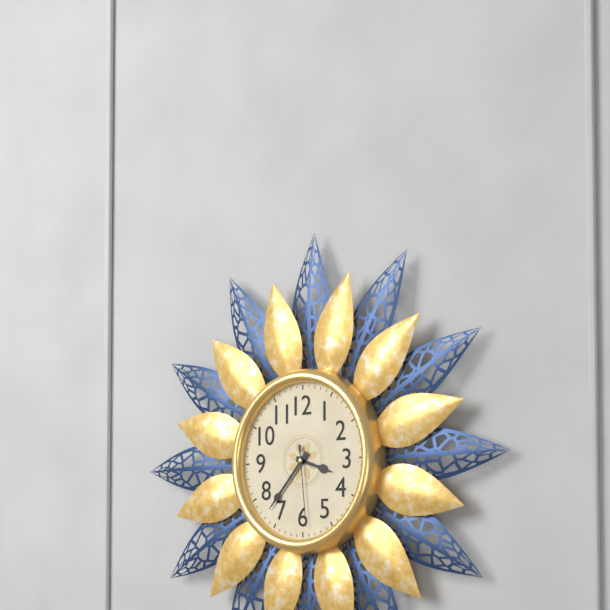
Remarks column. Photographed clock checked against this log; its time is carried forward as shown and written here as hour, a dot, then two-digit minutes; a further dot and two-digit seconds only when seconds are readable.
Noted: 3.37.29
